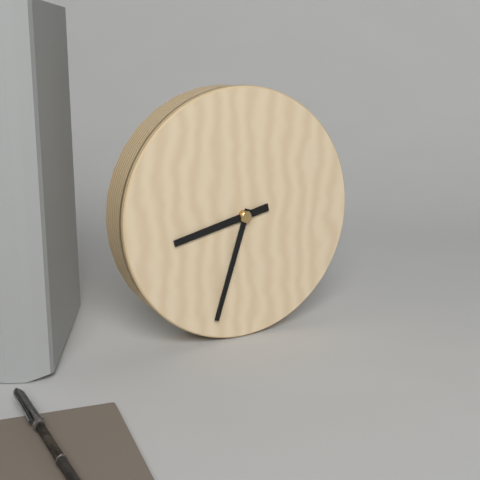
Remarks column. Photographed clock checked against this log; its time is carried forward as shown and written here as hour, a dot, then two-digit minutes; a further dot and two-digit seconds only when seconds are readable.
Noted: 8.33
